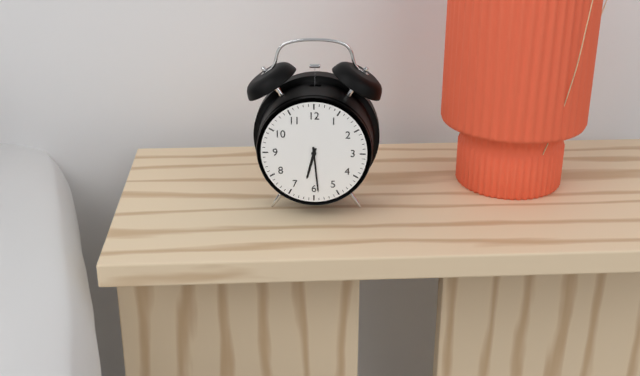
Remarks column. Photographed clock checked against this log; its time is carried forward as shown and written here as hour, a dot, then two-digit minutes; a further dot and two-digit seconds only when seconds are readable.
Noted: 6.29
